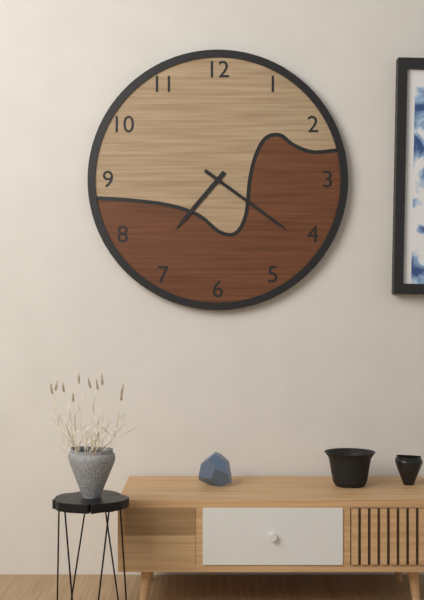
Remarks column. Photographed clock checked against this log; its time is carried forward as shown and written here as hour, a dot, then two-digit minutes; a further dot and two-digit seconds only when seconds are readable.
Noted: 7.21
